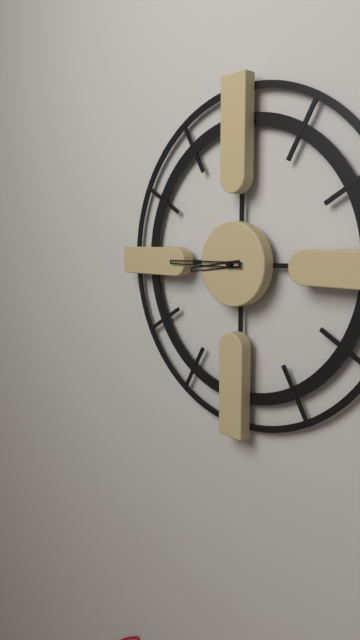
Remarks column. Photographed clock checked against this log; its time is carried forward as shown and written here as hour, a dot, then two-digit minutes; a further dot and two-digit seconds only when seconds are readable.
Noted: 8.45
